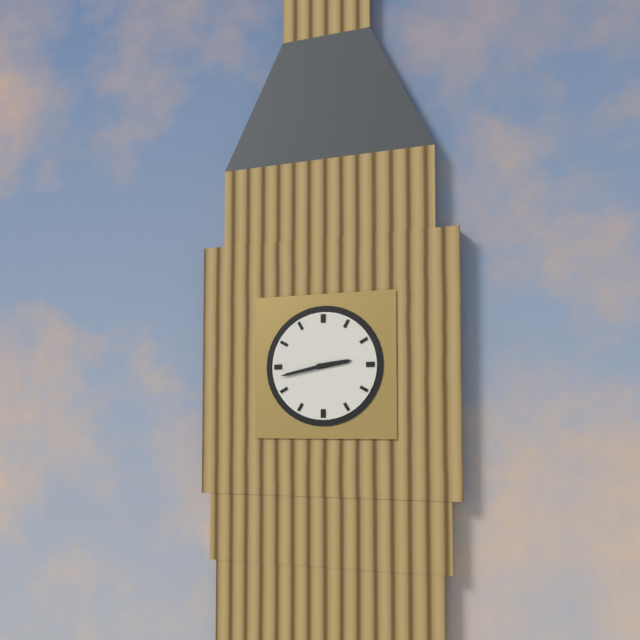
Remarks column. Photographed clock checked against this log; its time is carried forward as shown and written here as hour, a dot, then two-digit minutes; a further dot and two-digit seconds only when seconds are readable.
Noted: 2.43
